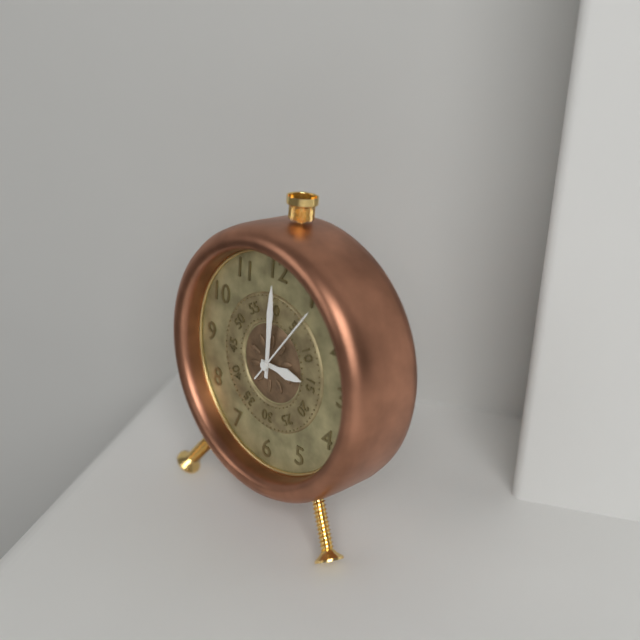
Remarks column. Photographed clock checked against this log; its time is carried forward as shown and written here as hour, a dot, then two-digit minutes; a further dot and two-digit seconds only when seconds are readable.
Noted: 3.00.06
